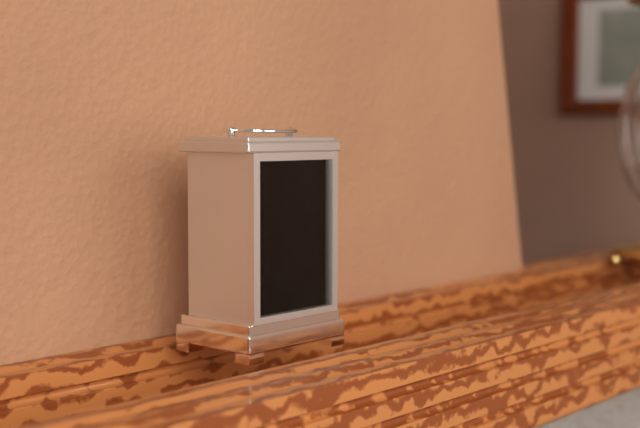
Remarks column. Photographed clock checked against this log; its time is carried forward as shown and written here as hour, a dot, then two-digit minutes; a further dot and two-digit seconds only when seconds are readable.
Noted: 4.59
